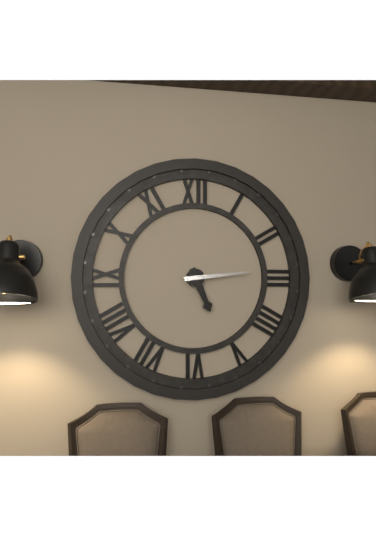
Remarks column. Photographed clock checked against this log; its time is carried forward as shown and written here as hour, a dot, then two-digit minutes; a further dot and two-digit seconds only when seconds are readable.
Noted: 5.14
